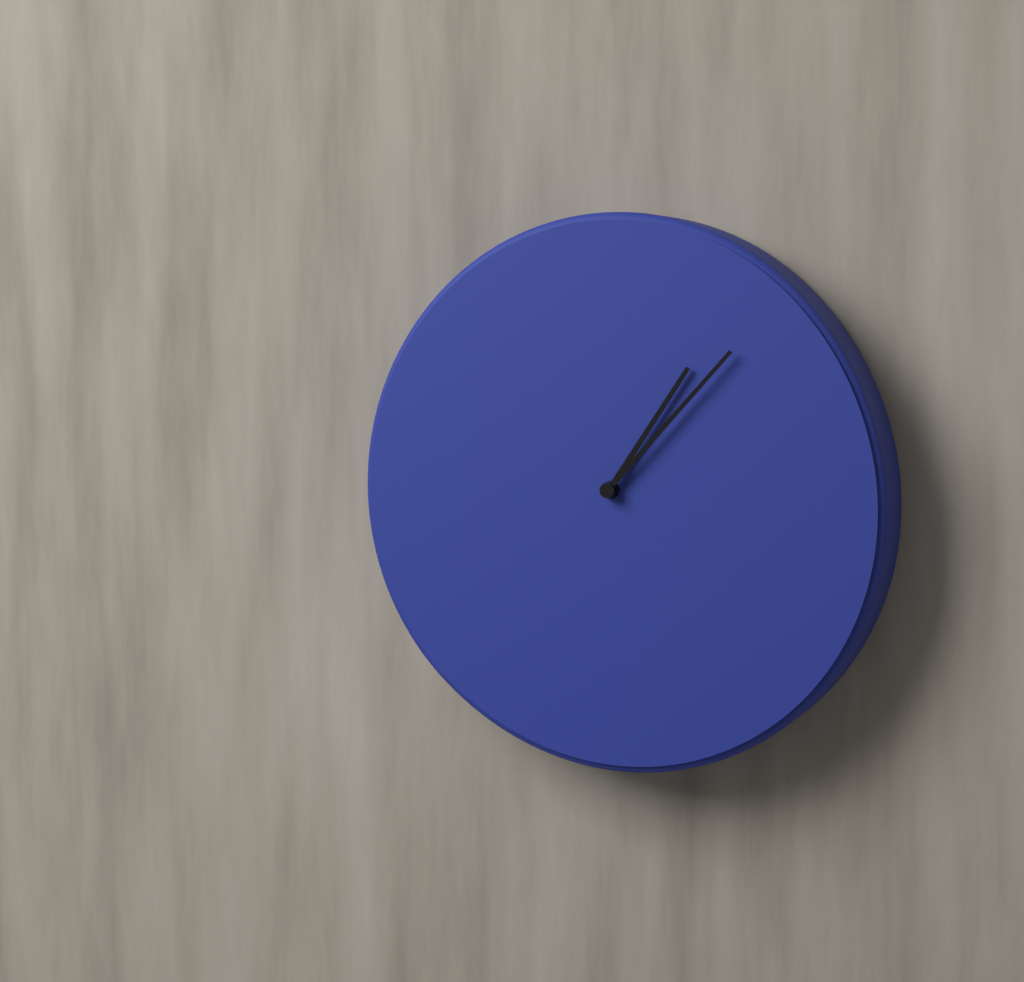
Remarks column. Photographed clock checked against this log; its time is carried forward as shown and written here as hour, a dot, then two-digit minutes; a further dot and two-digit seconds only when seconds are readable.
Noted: 1.07
